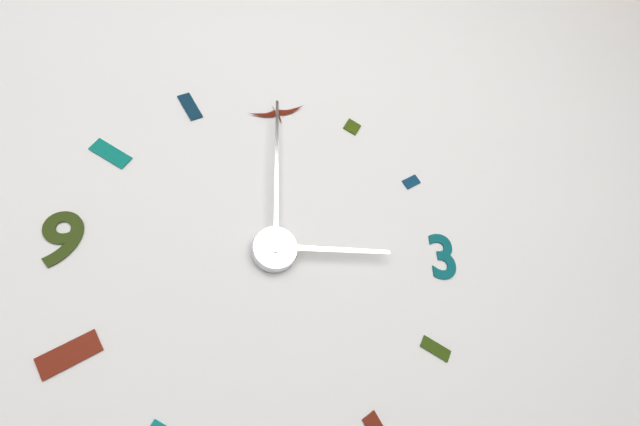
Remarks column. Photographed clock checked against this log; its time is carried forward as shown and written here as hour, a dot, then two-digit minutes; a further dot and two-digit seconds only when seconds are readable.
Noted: 3.00
